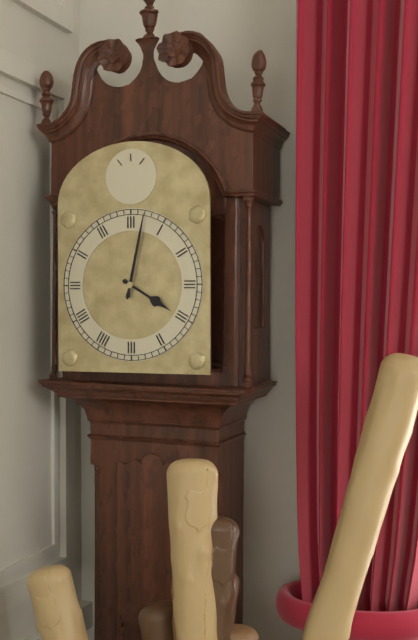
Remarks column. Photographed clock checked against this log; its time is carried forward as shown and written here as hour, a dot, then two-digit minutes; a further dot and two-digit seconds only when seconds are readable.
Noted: 4.02
